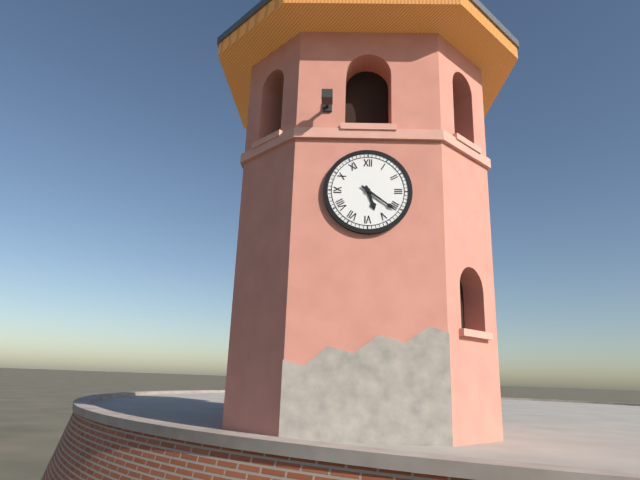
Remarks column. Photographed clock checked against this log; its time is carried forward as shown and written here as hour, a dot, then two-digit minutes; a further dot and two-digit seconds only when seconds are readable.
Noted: 5.21
